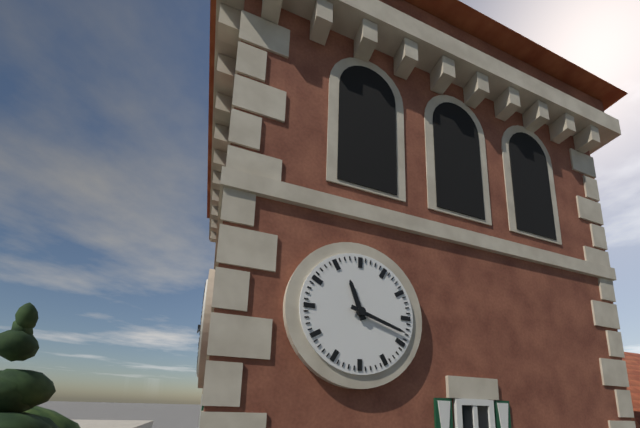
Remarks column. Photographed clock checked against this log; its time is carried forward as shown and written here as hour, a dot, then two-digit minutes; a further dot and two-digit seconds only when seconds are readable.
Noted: 11.18
